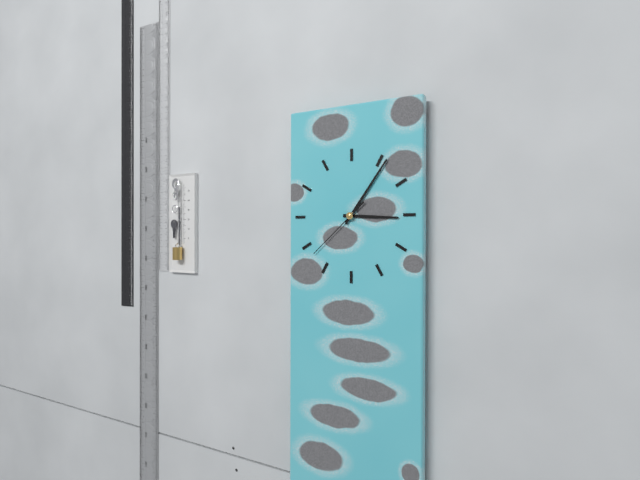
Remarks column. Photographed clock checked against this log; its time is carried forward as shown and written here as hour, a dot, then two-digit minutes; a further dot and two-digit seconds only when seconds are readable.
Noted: 3.06.38
